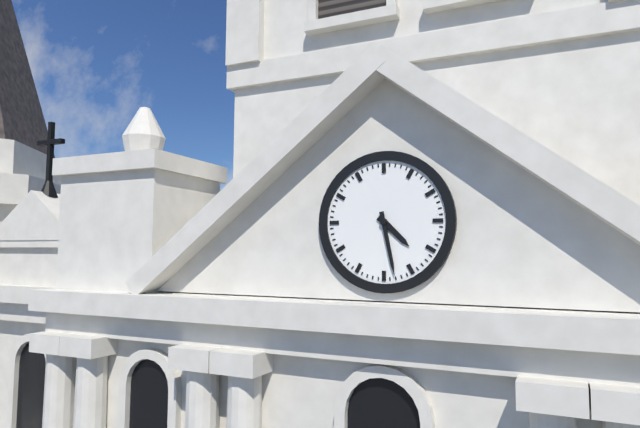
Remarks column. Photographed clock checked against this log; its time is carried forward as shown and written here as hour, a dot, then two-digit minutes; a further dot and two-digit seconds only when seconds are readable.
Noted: 4.28
